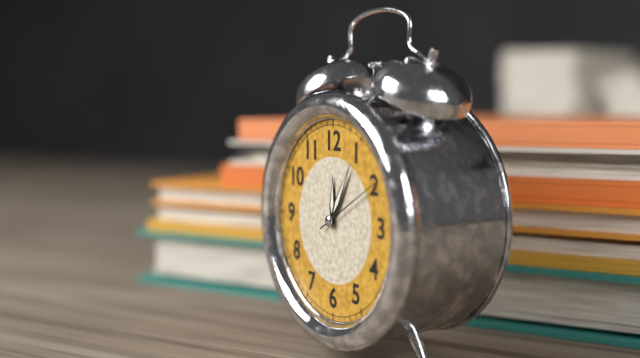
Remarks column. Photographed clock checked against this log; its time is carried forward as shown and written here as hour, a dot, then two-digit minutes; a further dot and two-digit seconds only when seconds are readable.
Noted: 12.05.10
